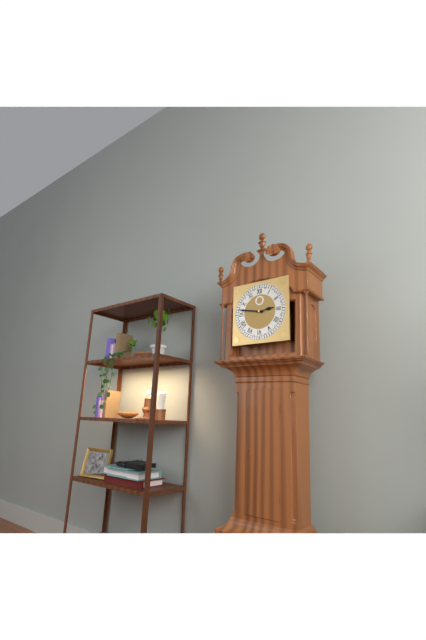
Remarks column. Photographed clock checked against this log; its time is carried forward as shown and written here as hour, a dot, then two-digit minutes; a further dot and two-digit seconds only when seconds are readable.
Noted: 2.47
